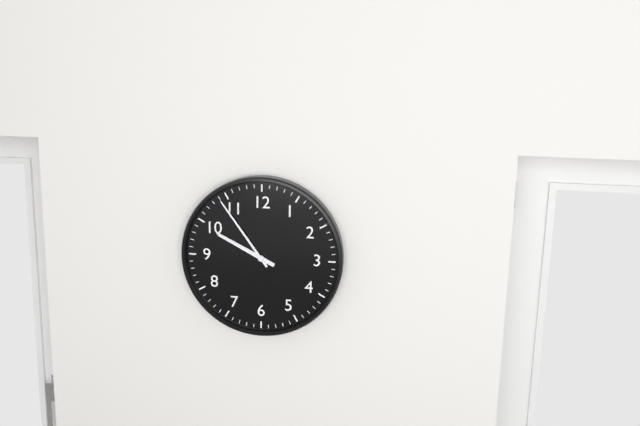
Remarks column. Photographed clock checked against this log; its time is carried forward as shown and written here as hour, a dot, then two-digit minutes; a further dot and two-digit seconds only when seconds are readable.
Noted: 9.54
